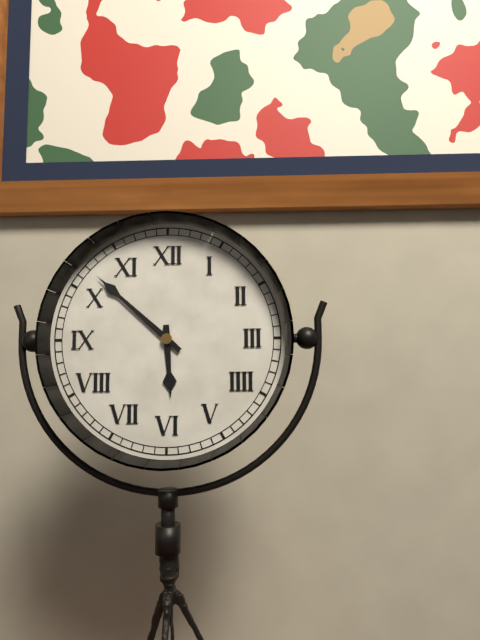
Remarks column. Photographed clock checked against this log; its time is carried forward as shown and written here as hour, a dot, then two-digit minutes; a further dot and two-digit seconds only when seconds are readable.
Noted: 5.52
